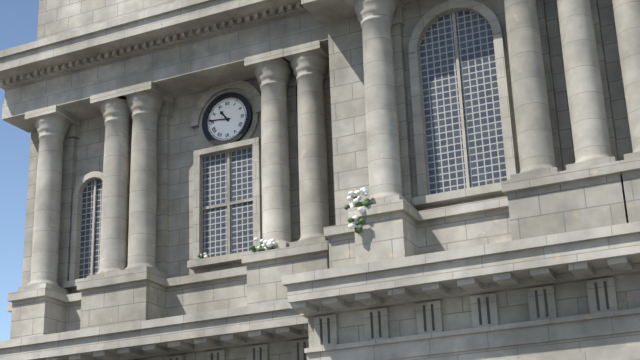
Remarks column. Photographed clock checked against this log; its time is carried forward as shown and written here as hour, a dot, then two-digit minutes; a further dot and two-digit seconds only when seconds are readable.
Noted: 10.46
